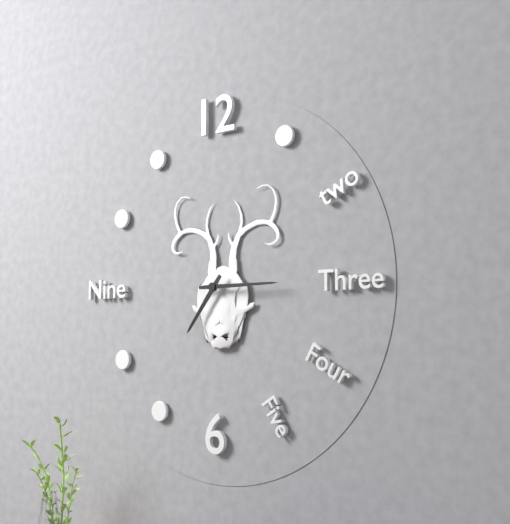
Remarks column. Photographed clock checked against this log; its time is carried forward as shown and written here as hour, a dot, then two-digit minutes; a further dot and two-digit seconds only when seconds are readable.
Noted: 7.15
